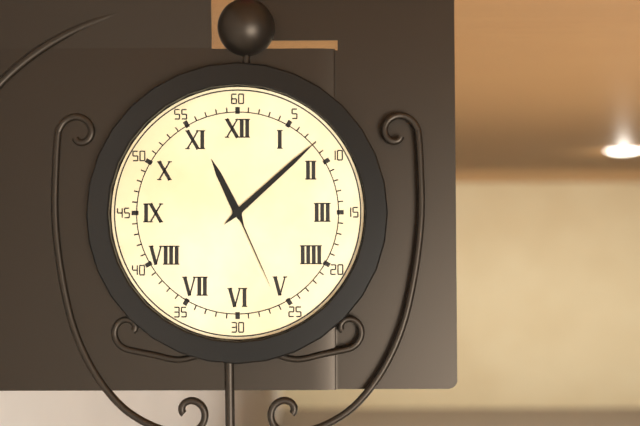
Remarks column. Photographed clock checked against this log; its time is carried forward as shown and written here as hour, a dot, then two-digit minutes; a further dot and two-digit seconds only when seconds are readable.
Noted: 11.08.26
